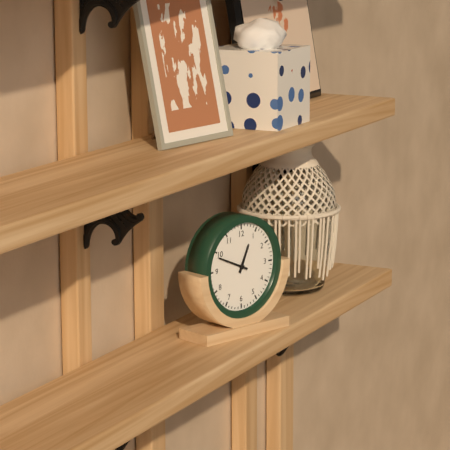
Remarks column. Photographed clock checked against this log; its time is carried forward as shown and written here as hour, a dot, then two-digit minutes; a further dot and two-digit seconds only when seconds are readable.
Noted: 12.49
